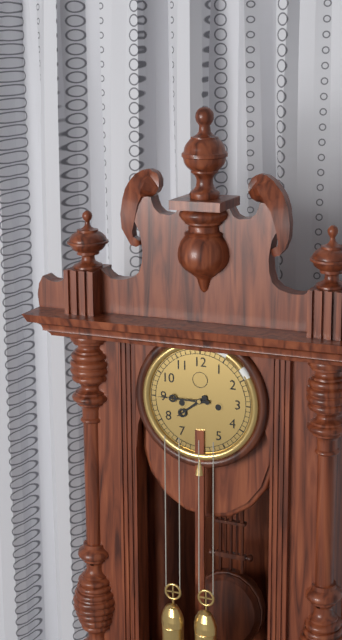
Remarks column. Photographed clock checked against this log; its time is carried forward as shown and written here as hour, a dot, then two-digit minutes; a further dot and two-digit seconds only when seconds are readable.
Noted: 7.45
